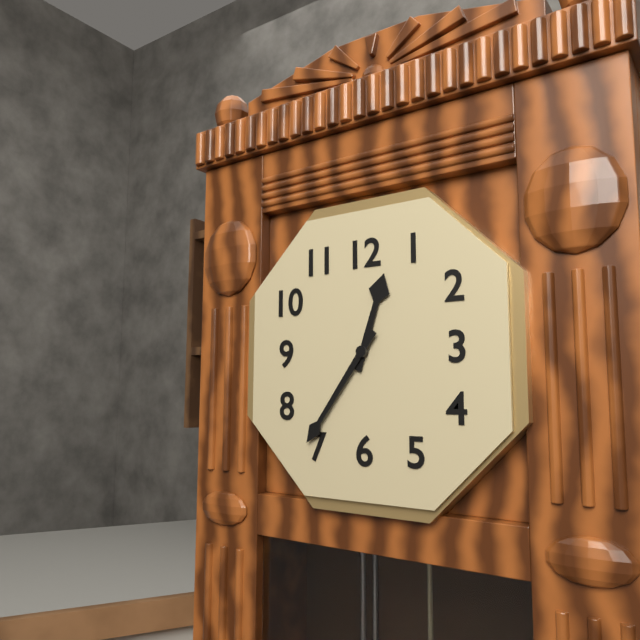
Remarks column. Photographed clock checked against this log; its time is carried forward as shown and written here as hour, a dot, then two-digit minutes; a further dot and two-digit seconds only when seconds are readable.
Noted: 12.36
